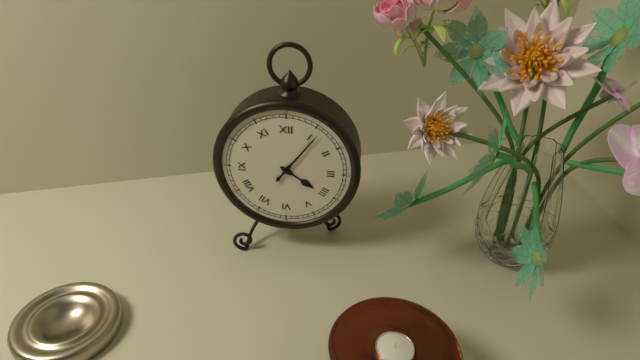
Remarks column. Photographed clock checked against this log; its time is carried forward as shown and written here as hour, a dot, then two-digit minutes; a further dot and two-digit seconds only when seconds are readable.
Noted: 4.06
